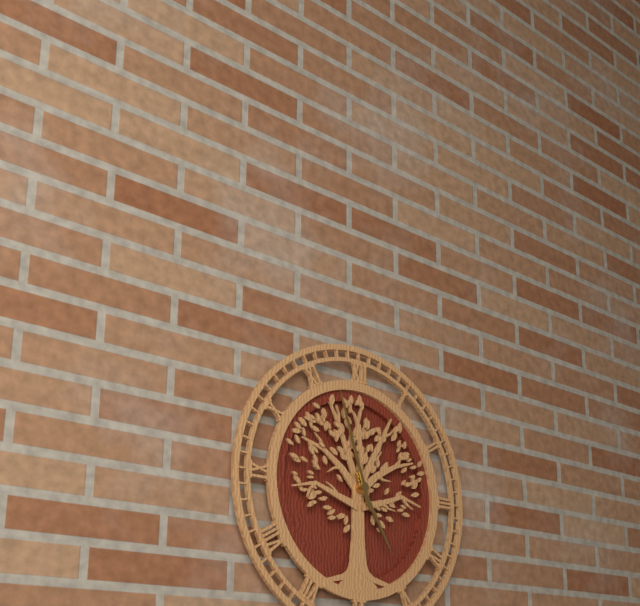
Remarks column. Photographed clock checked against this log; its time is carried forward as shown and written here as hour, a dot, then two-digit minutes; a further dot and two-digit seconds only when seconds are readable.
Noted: 4.57
